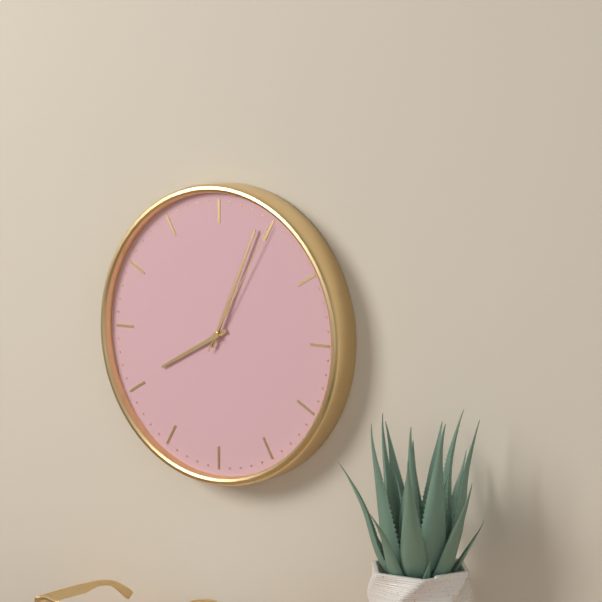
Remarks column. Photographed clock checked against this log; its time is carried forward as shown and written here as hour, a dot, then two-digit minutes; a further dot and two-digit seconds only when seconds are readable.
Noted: 8.04.05
